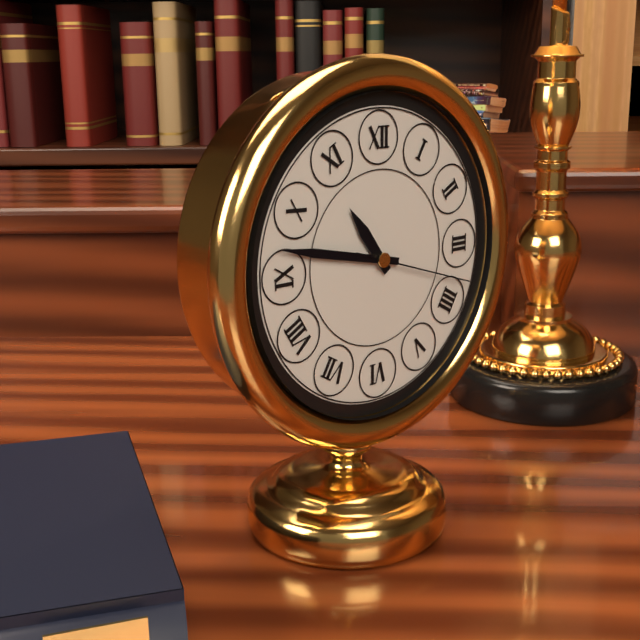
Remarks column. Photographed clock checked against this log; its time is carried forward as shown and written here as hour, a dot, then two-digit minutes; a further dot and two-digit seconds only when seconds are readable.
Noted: 10.47.18
